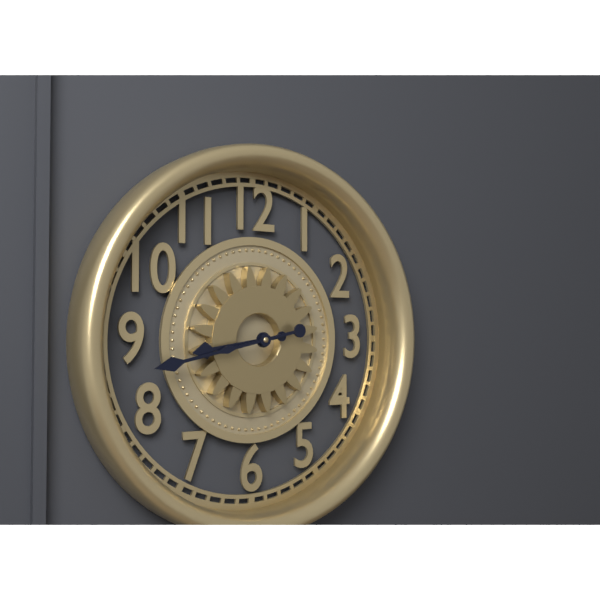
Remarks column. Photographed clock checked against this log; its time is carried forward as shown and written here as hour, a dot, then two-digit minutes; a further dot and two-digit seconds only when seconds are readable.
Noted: 8.43
